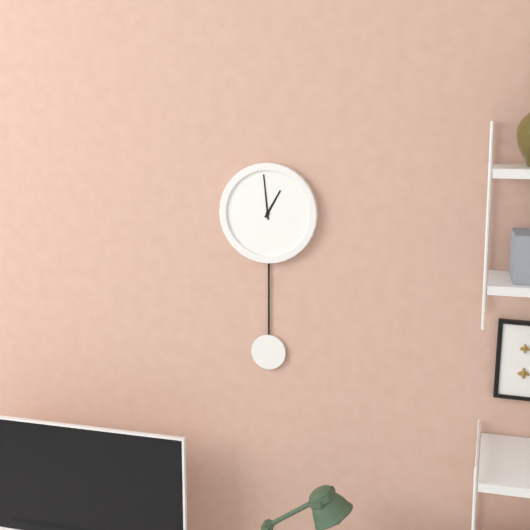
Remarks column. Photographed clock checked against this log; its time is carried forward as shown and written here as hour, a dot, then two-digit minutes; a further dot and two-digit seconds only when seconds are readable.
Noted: 12.59
